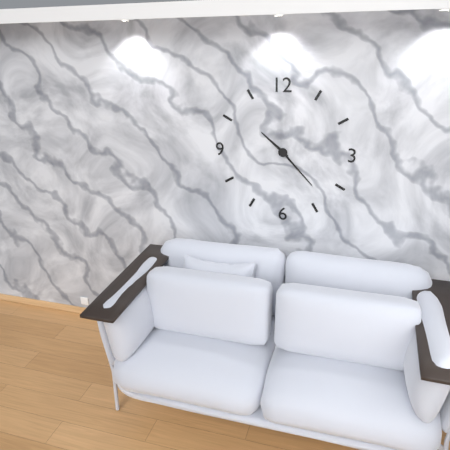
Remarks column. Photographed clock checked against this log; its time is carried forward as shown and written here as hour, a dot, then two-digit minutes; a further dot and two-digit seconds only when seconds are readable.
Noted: 10.23
